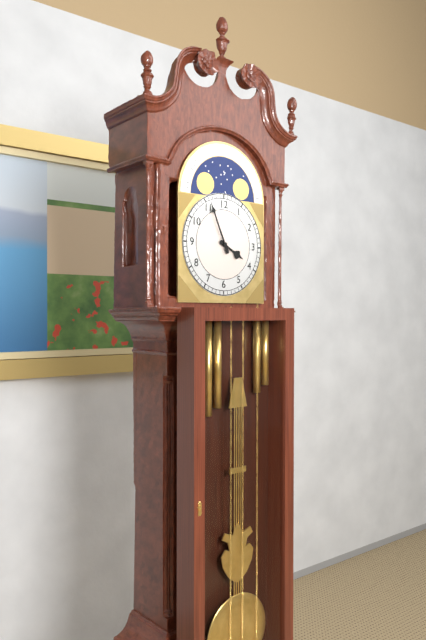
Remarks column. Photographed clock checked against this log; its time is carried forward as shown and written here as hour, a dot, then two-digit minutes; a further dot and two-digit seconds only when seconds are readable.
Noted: 3.56
